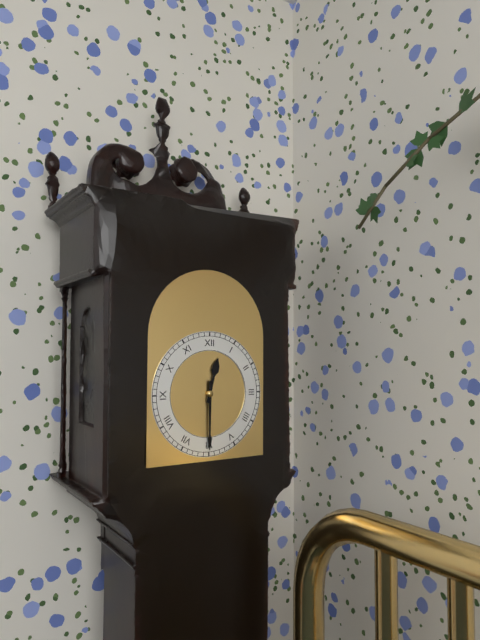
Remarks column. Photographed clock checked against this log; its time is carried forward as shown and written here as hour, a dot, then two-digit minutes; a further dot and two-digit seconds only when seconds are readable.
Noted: 12.30
